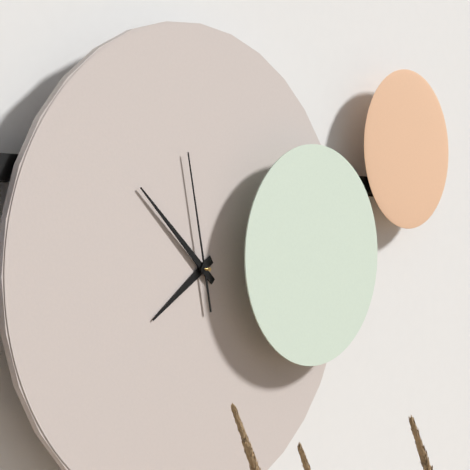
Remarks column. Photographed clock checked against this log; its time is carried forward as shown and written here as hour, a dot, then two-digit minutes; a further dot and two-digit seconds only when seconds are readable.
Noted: 7.52.58
